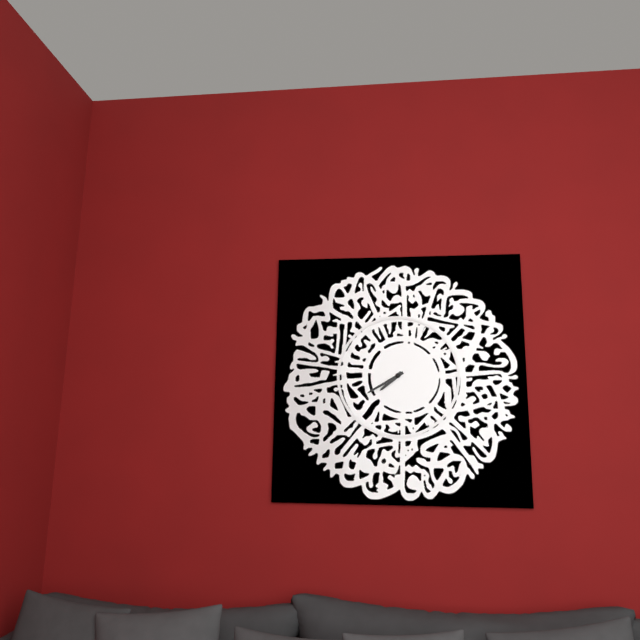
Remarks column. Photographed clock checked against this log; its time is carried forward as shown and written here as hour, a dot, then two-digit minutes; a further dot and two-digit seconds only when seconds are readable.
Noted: 7.40
